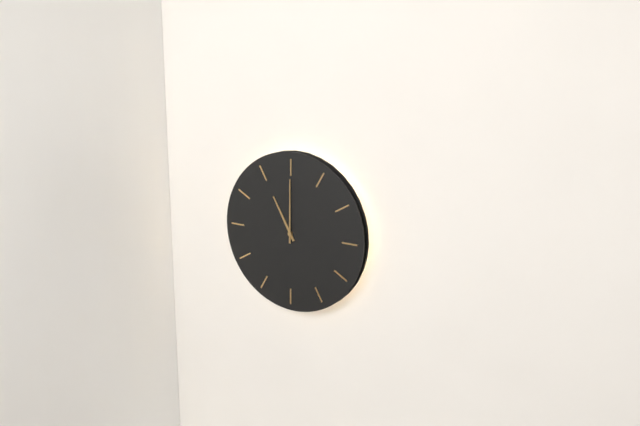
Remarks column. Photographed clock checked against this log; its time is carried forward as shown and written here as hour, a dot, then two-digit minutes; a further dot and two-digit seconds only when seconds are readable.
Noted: 11.00
